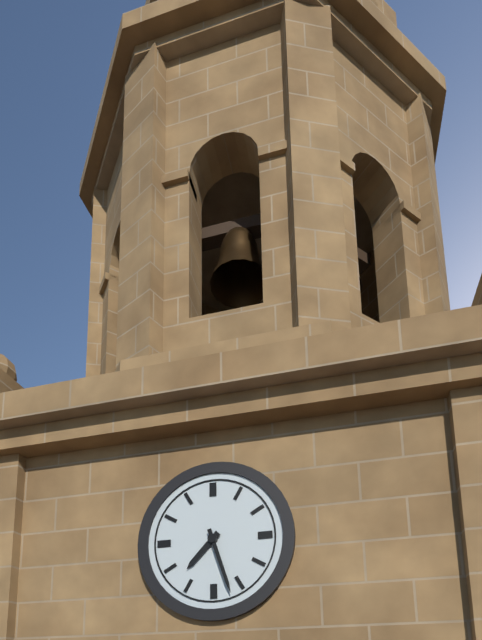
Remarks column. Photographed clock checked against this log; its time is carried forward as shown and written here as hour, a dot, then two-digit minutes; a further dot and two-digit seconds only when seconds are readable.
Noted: 7.27
